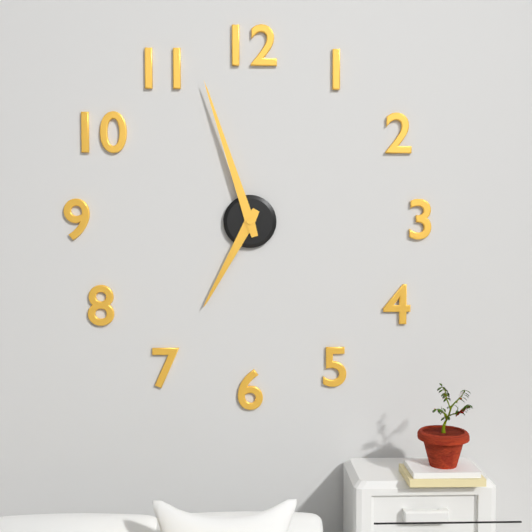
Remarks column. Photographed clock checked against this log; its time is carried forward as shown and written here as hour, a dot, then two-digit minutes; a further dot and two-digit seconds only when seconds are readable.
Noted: 6.57
